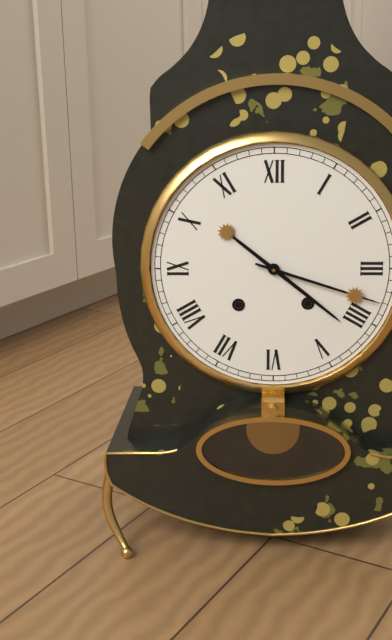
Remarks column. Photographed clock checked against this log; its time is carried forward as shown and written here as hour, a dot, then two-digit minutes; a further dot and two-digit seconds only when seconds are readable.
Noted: 4.18
